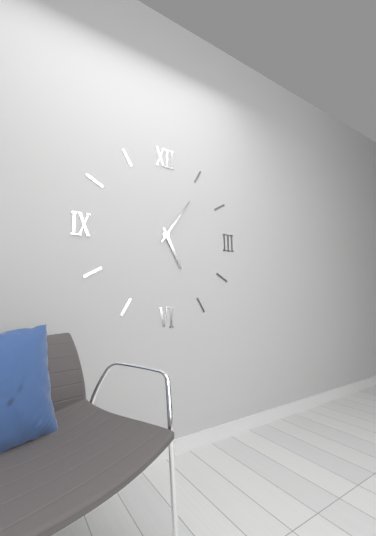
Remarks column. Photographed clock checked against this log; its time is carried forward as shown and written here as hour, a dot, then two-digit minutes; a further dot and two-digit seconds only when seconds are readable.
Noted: 5.06
